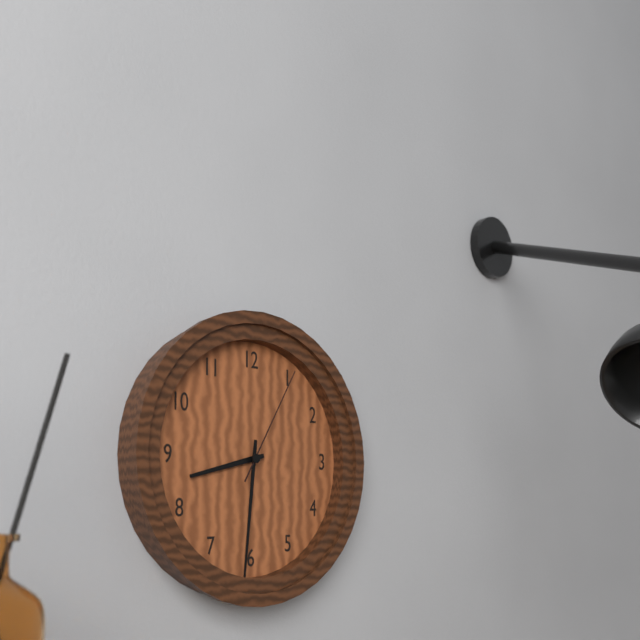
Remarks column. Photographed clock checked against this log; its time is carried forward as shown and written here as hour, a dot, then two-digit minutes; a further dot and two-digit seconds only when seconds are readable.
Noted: 8.31.05
